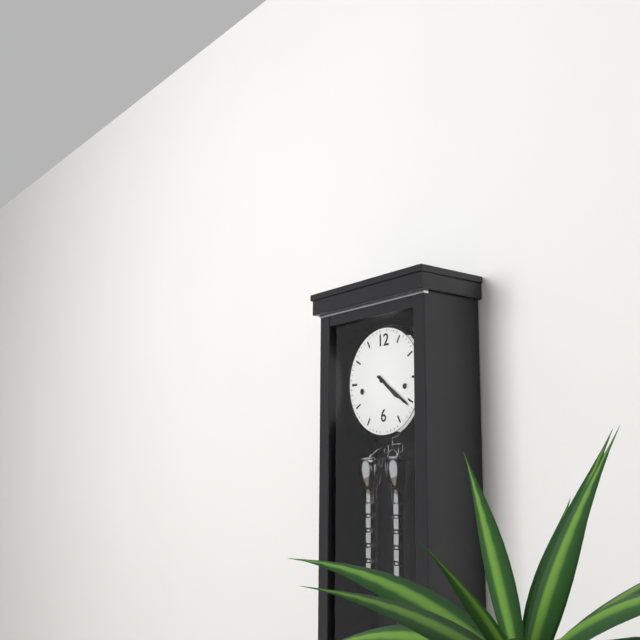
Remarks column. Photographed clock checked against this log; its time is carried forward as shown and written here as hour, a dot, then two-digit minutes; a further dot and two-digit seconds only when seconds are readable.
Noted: 4.21
